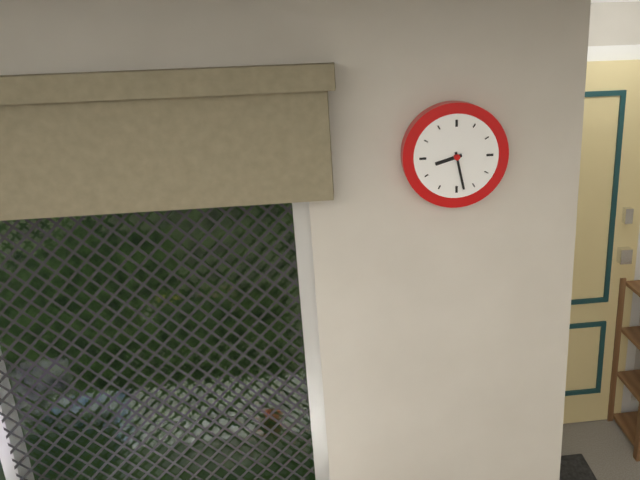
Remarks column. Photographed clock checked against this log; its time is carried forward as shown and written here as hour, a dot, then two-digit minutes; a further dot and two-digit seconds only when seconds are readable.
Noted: 8.28
